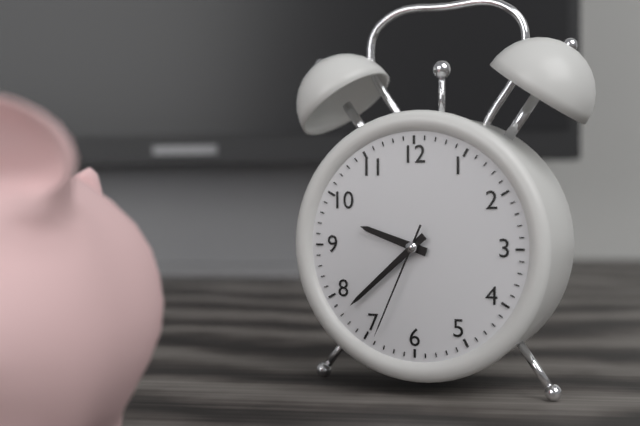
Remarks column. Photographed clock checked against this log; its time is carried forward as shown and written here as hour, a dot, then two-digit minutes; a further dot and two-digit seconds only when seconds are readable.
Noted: 9.38.34
